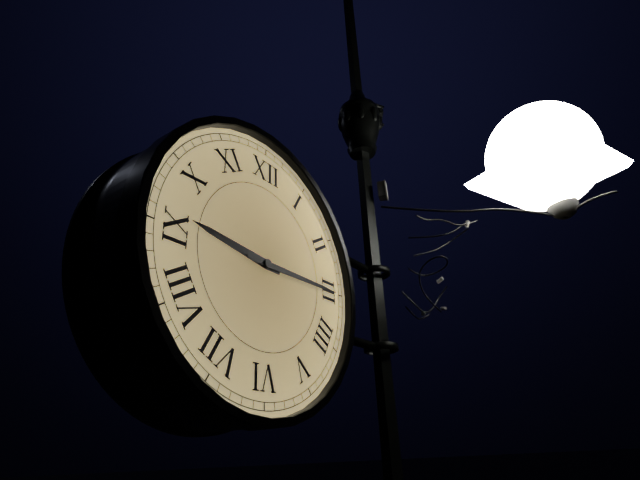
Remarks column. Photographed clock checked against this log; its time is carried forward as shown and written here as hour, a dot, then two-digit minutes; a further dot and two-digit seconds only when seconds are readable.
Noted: 9.15
